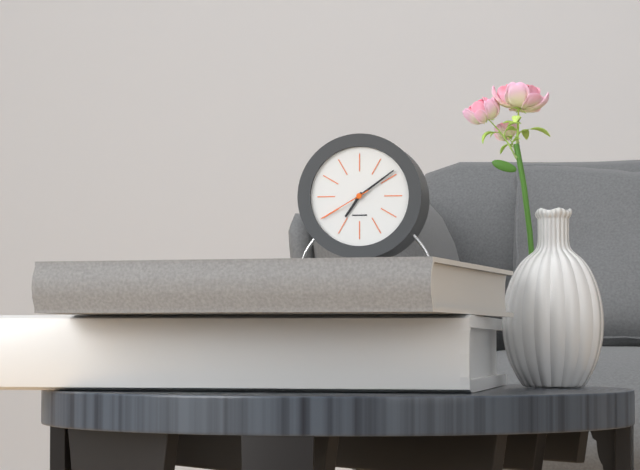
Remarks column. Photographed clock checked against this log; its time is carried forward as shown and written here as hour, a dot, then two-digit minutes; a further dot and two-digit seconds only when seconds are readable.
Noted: 7.09.40
